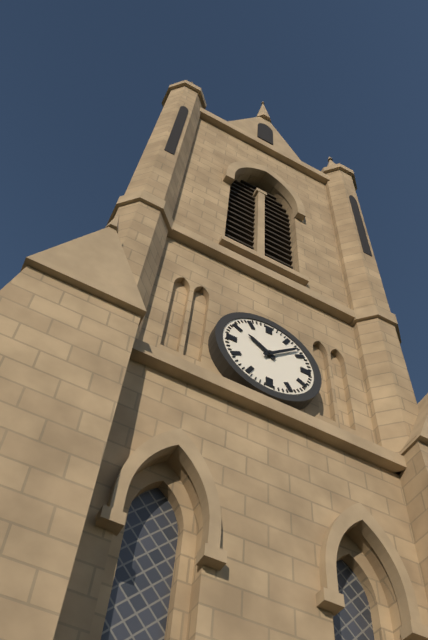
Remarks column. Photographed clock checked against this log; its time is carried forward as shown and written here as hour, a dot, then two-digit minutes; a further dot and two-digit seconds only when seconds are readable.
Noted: 10.08
